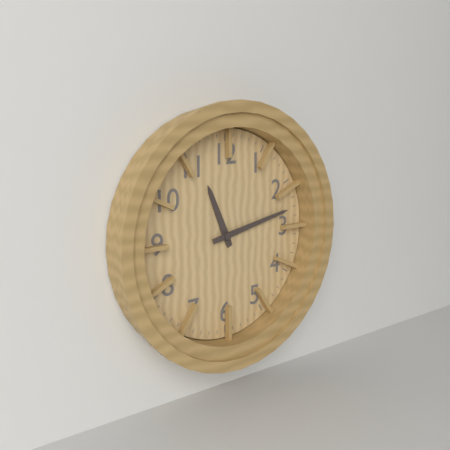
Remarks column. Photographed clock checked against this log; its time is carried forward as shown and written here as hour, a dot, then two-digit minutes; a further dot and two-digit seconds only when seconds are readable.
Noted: 11.13
